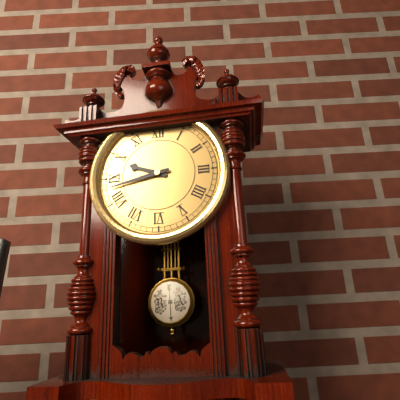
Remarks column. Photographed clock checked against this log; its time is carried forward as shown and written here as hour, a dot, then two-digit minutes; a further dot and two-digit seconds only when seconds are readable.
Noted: 9.43
